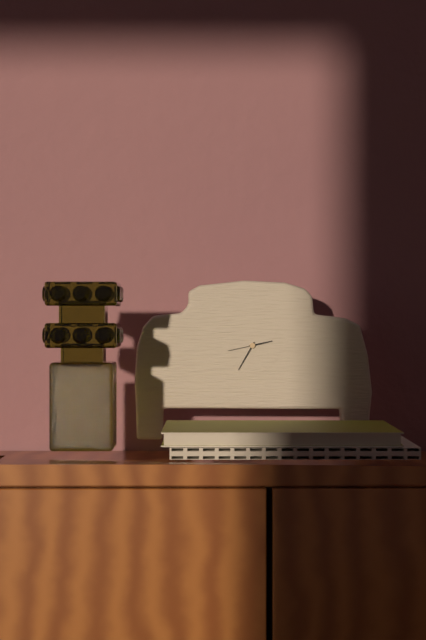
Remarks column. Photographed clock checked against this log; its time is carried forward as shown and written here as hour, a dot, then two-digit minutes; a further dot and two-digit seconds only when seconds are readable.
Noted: 2.35
